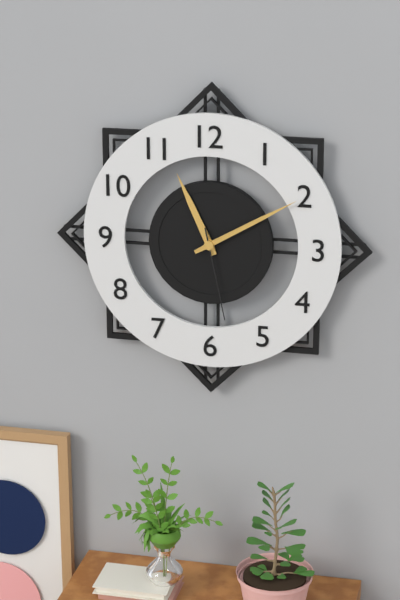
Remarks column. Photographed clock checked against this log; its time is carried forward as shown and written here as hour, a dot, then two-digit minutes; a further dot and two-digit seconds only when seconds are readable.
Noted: 11.10.28
